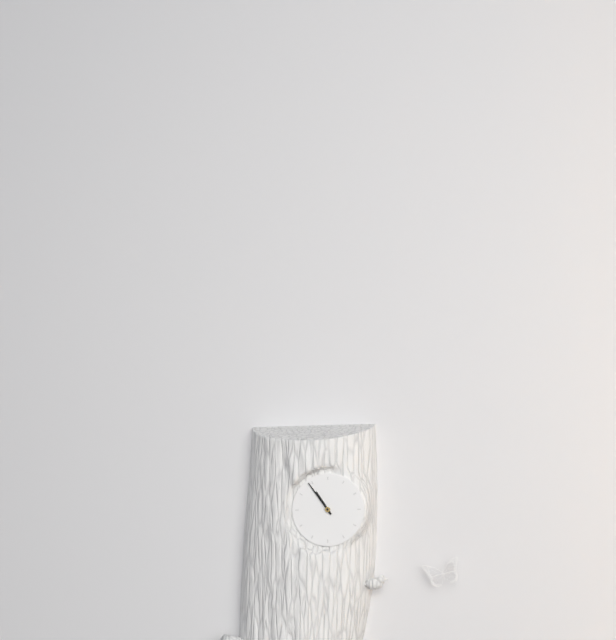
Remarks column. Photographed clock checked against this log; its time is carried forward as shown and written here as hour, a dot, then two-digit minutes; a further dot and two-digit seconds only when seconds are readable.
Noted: 10.54
